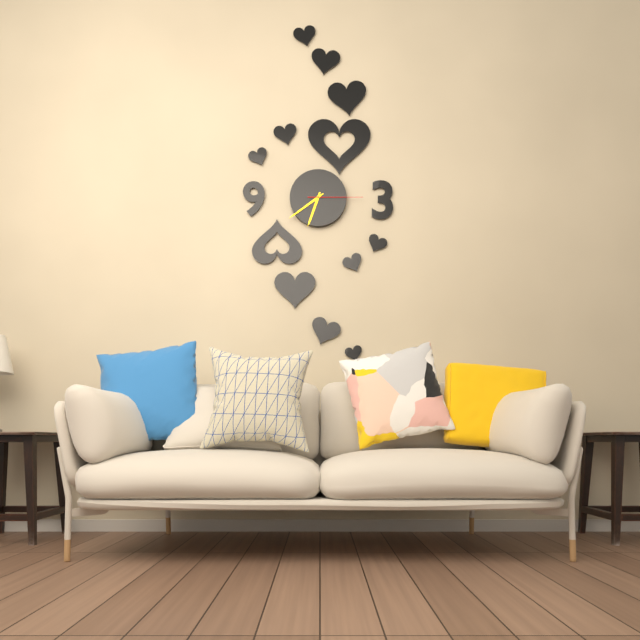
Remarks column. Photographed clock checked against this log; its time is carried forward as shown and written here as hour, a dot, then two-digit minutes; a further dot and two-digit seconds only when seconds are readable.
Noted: 6.39.15
